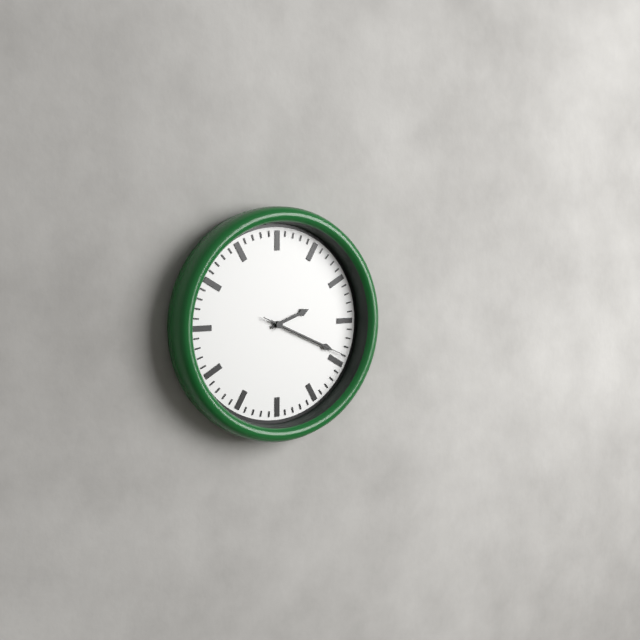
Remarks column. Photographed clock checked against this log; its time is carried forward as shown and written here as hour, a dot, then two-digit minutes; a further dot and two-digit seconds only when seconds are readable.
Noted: 2.19.19
